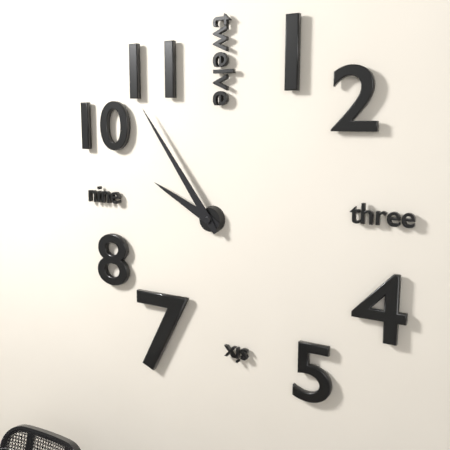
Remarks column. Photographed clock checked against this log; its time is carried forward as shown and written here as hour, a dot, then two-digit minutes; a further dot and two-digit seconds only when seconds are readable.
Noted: 9.54
